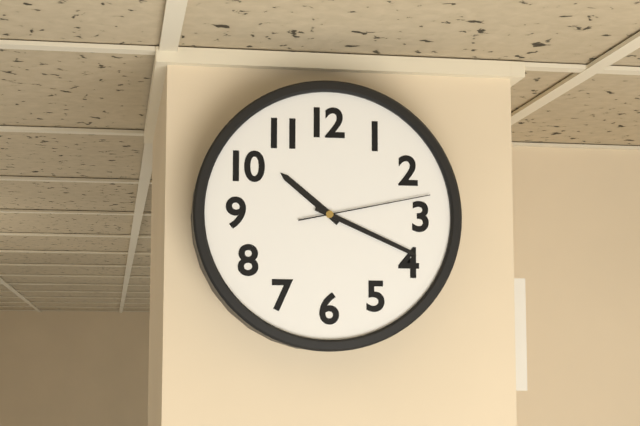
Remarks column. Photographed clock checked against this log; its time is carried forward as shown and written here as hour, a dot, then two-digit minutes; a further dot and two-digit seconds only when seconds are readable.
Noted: 10.19.13
